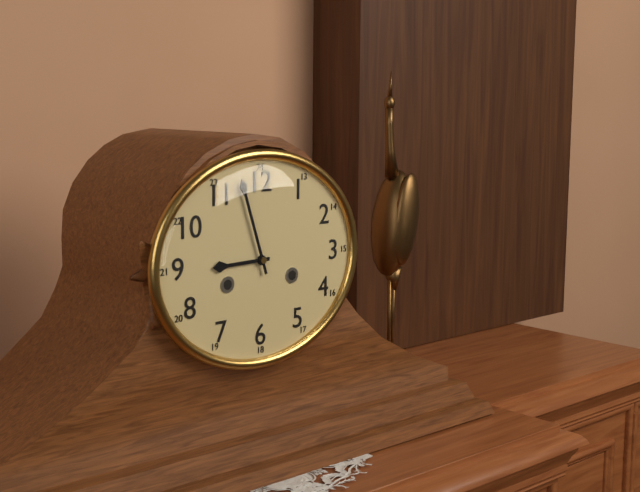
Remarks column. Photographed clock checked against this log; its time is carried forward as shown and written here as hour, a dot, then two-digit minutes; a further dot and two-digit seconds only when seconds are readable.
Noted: 8.57
